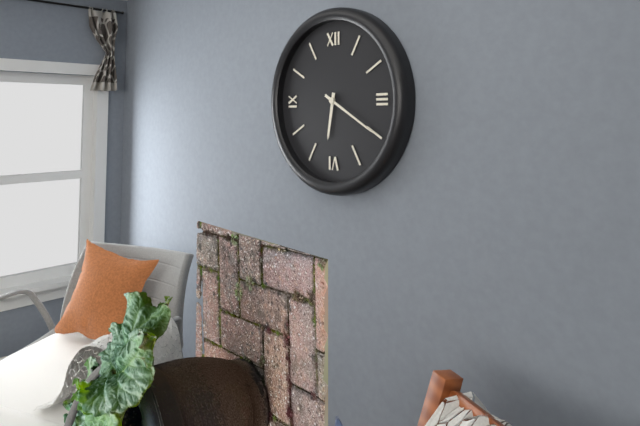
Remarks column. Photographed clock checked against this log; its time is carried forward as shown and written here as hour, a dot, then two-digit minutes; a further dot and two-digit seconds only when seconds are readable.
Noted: 6.20
